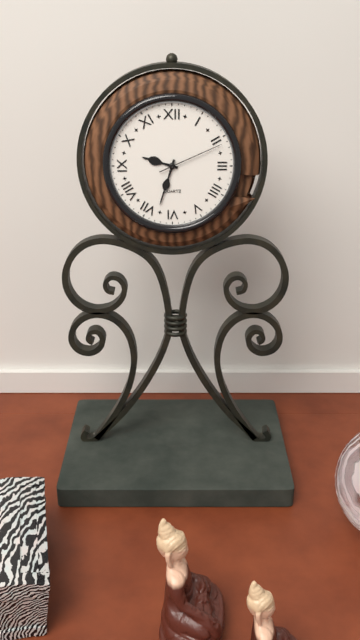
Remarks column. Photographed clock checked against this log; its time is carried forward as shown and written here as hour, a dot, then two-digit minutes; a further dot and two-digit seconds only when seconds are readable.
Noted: 9.33.11
